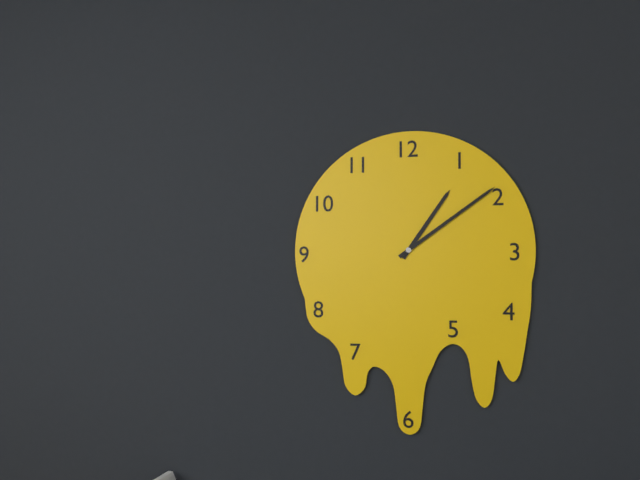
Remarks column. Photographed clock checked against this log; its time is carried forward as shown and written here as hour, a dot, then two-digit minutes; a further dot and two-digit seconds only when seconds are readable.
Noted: 1.09
